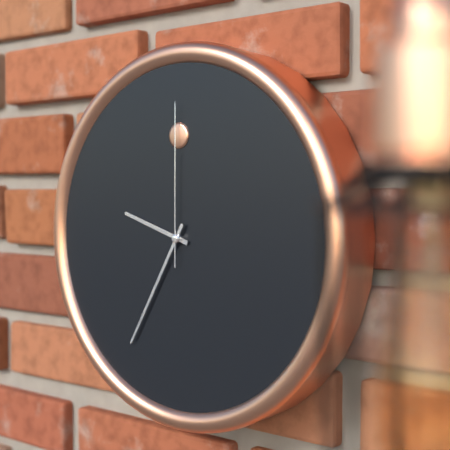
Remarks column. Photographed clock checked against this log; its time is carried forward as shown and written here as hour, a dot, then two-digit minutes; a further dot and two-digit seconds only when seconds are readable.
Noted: 9.35.00
